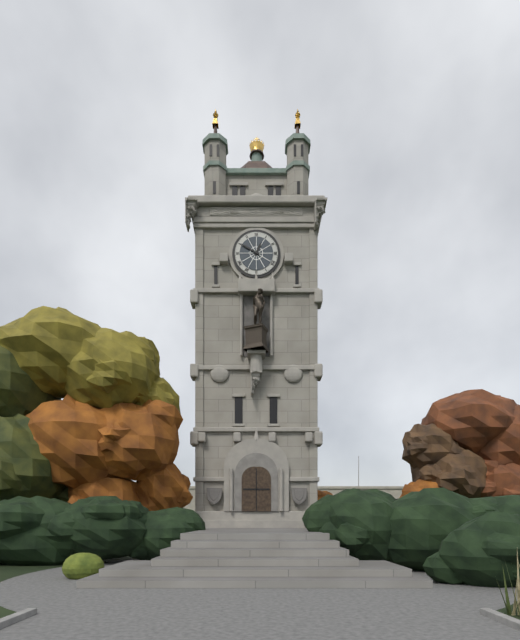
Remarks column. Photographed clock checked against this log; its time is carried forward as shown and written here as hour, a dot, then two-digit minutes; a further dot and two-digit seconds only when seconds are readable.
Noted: 12.50
